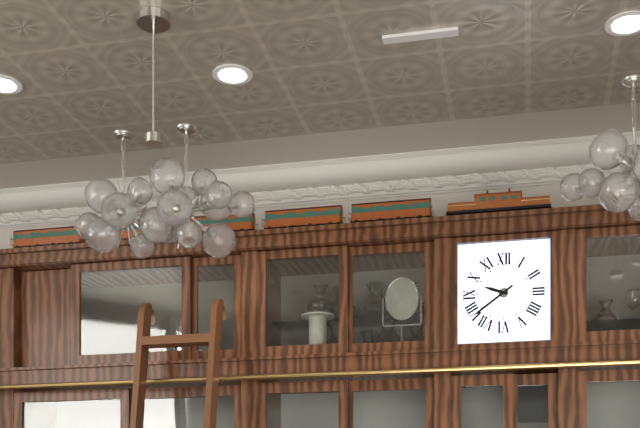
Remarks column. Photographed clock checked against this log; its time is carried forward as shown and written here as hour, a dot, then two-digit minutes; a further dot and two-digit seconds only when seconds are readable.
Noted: 9.39
